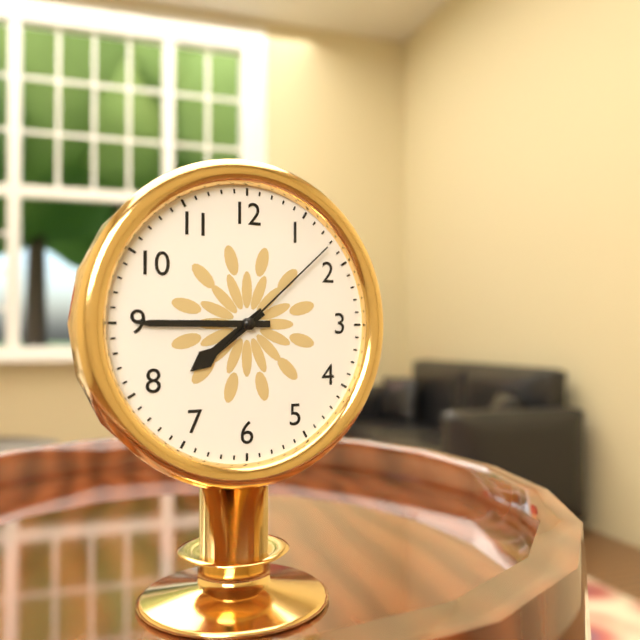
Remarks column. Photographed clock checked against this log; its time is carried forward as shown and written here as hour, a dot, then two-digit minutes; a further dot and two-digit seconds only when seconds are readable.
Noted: 7.45.08
